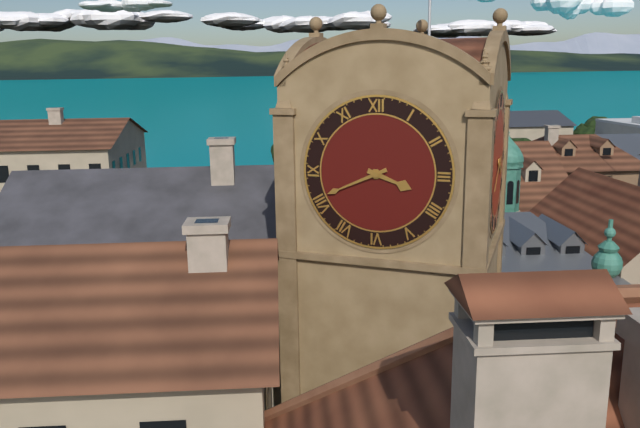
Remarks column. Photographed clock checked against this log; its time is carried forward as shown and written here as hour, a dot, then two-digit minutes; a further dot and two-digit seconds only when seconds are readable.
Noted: 3.41
